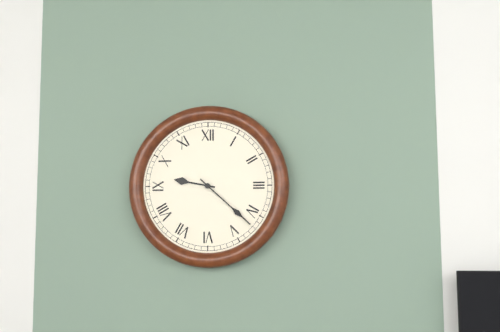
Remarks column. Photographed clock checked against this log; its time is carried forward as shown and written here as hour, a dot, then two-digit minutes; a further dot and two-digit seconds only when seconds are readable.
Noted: 9.22
